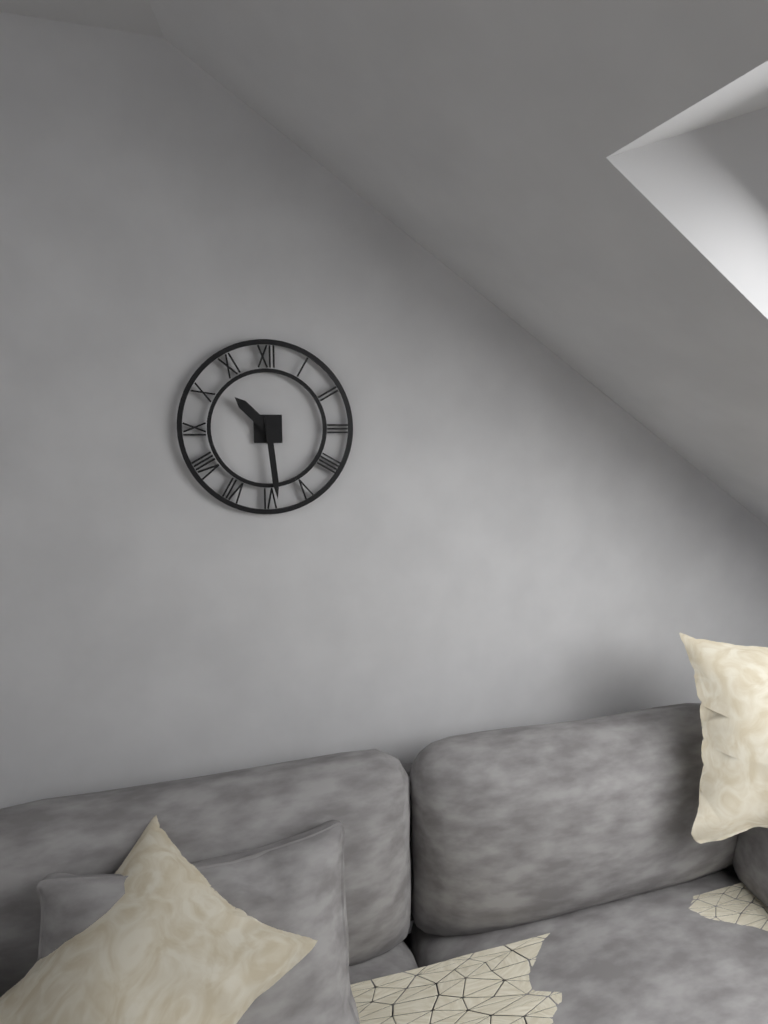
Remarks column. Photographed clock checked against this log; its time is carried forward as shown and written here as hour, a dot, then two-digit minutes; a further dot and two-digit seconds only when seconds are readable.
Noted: 10.29
